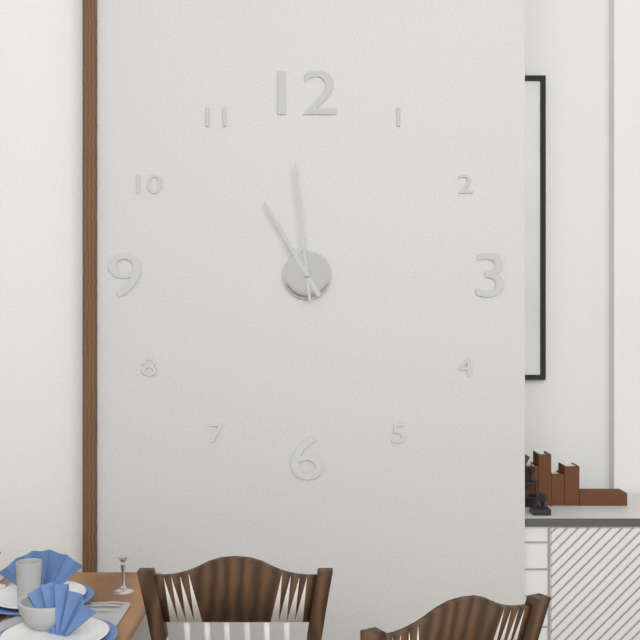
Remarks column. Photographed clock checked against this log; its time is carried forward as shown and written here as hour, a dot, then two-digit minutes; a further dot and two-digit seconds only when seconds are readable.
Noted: 10.59
